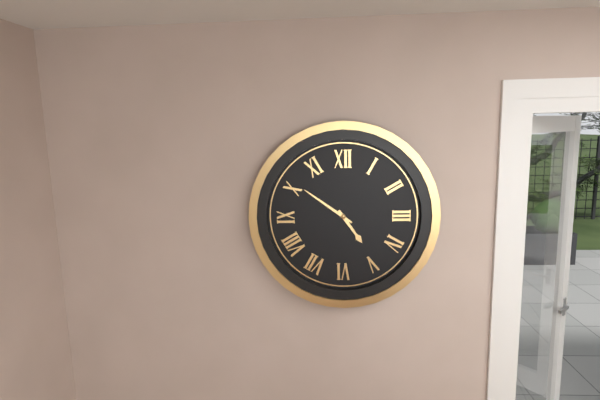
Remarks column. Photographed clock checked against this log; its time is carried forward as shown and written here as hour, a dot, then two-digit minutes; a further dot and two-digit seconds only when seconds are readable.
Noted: 4.51
